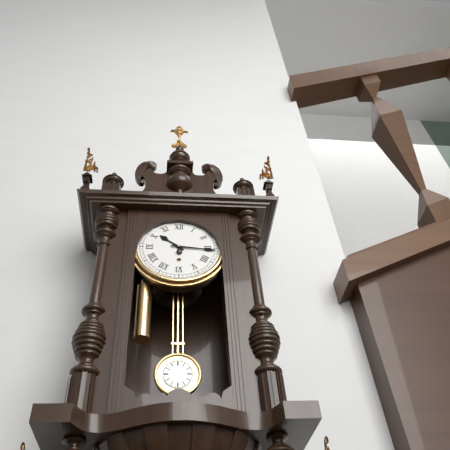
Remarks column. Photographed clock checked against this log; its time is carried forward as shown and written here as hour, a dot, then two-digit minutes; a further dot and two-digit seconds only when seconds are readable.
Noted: 10.16
